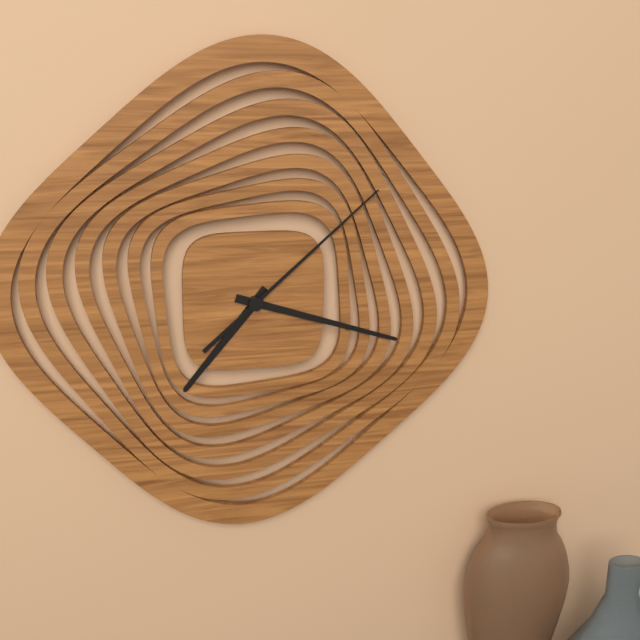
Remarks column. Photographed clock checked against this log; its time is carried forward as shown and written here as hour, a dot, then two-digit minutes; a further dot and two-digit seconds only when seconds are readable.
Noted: 7.18.08
